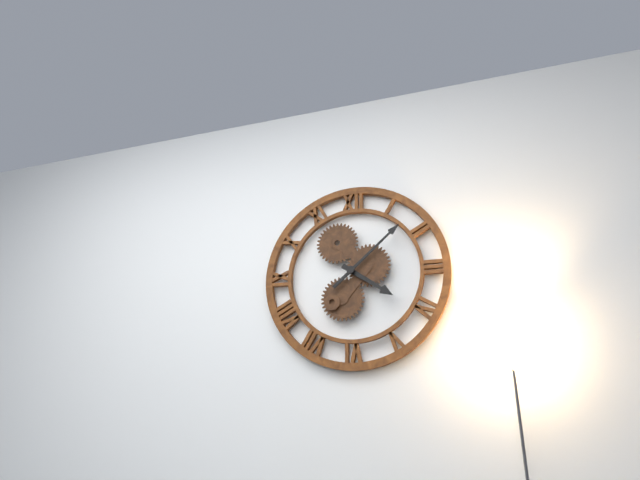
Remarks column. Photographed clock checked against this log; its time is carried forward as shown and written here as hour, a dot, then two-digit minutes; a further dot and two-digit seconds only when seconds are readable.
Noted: 4.08
